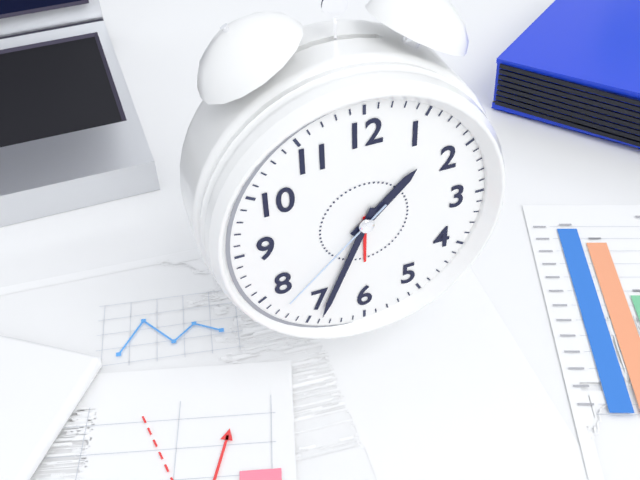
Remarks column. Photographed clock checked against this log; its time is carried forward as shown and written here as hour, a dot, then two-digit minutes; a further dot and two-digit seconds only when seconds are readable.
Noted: 1.34.38
